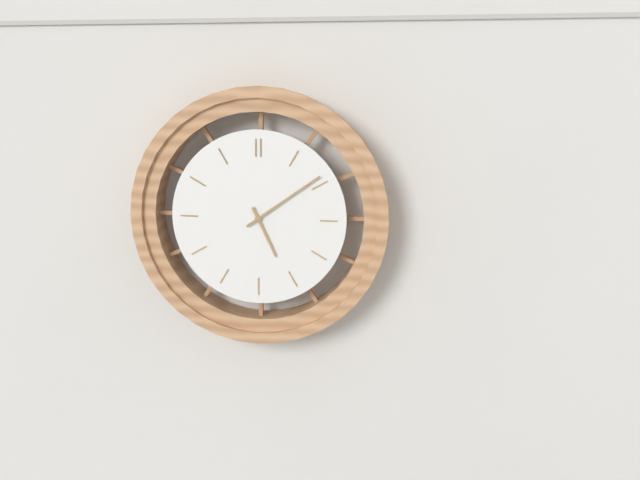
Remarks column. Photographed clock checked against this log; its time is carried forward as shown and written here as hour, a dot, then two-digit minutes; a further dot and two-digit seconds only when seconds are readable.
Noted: 5.09
